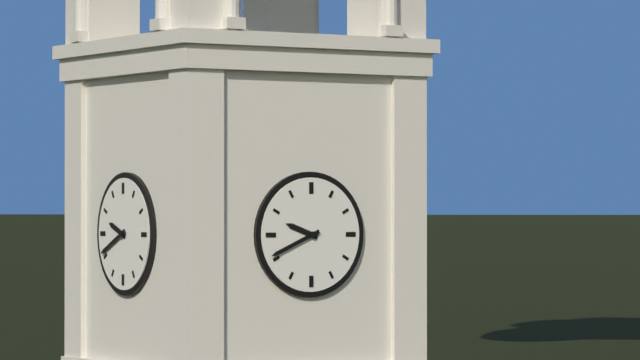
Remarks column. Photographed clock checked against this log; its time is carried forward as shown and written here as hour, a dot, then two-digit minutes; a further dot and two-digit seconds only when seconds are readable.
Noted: 9.41
